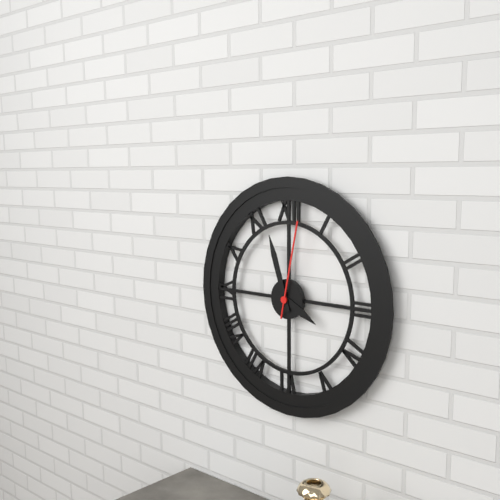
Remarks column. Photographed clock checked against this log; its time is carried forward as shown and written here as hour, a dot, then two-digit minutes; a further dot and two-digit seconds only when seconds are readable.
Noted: 3.57.02
